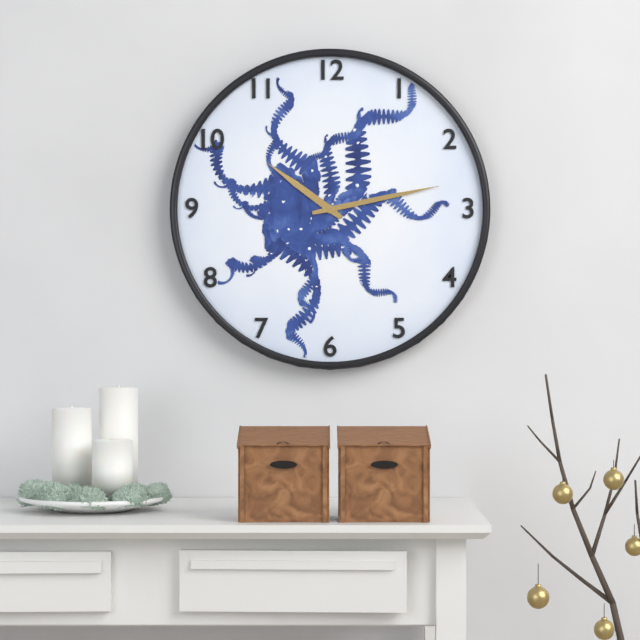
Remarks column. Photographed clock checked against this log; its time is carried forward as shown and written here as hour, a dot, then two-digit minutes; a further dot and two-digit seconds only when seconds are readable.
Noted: 10.13
